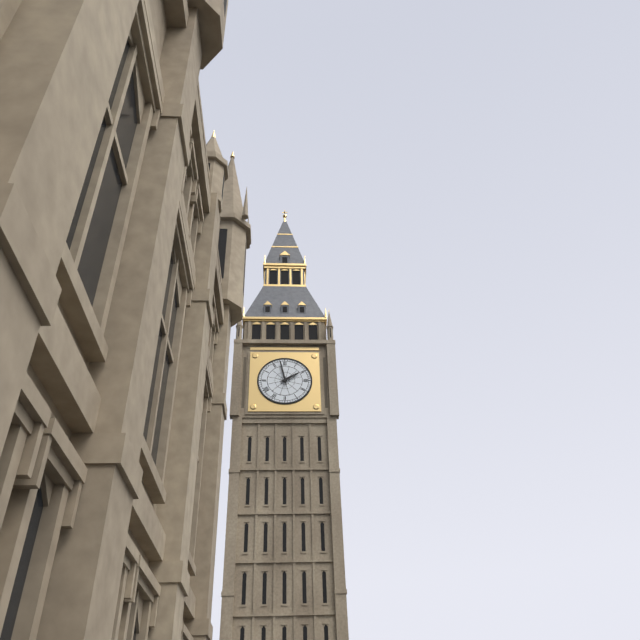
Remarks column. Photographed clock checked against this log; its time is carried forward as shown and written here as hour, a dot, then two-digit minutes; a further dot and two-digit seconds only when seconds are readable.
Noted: 1.58
